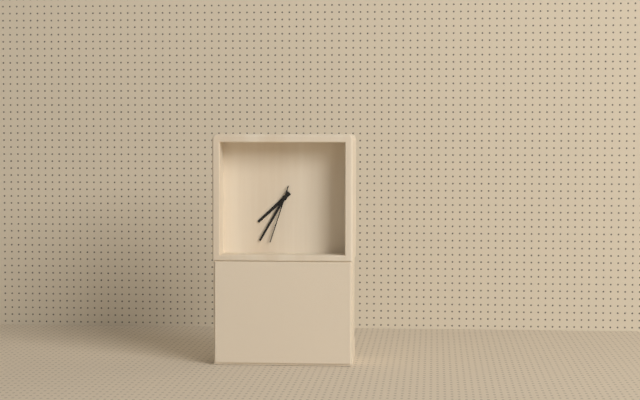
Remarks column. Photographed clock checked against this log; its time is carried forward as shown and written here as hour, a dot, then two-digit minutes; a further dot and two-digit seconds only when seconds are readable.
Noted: 7.35.33
